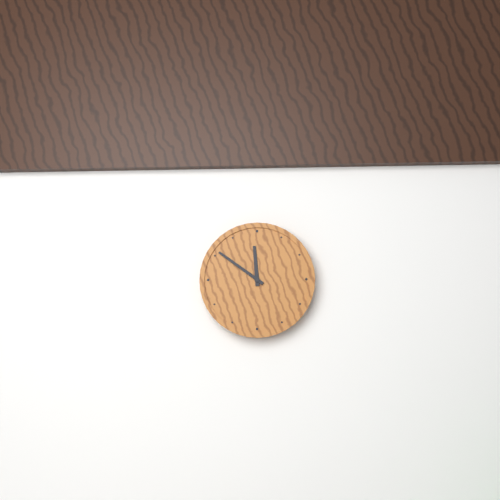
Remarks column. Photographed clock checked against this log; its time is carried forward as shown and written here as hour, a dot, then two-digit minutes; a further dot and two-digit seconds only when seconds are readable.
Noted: 11.51
